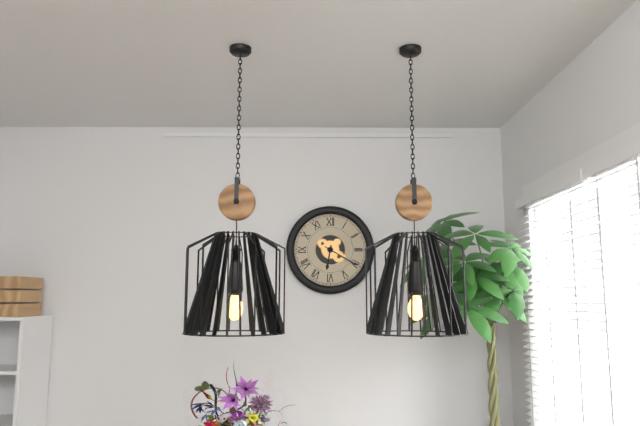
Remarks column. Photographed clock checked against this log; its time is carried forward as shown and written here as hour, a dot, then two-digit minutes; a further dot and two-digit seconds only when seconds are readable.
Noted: 6.20
